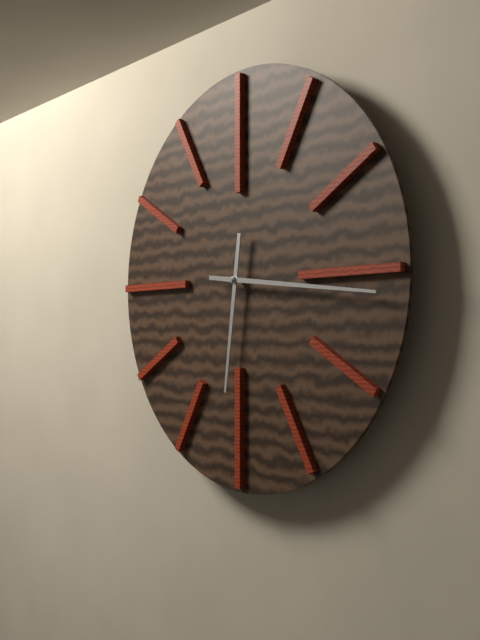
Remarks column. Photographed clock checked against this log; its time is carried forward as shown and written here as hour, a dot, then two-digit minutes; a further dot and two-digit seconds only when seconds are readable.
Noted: 6.16
